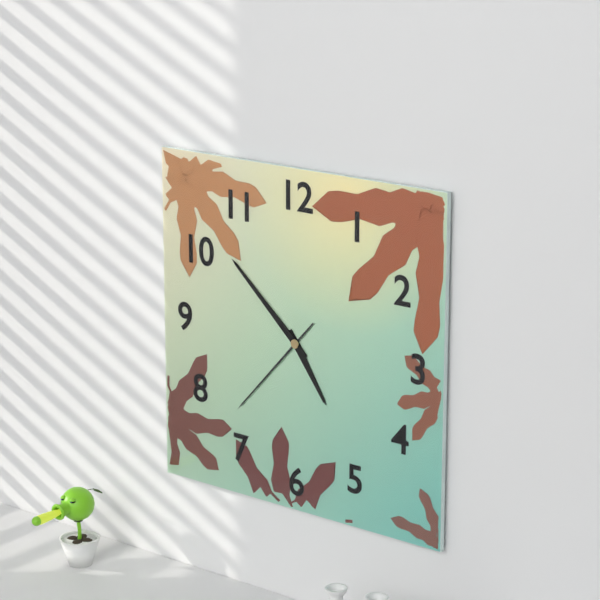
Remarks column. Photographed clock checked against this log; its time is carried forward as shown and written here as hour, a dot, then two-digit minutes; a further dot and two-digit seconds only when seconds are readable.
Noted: 4.52.37
